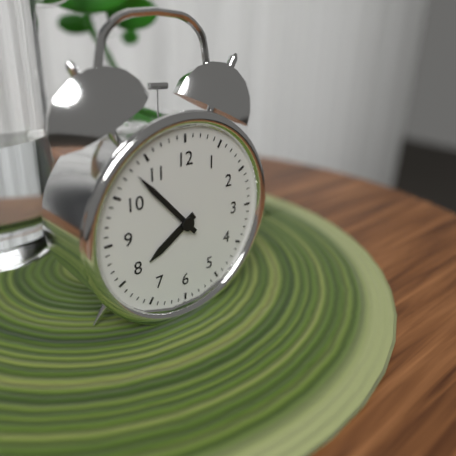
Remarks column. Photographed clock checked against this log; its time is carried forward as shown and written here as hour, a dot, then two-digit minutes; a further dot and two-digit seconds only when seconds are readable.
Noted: 7.53
